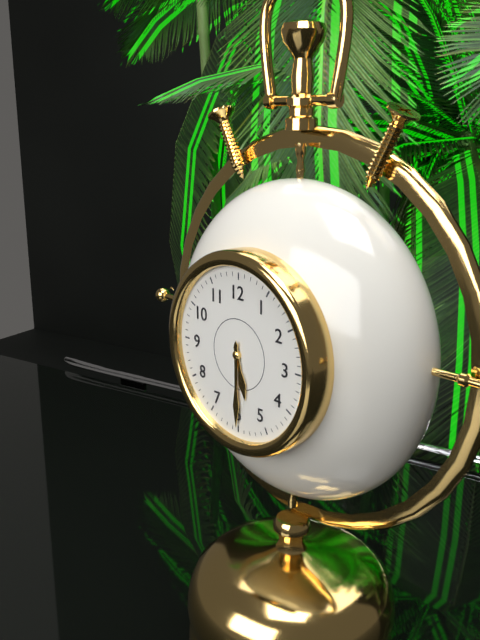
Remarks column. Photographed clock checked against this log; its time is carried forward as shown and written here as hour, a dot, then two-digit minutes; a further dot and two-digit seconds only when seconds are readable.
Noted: 5.30
